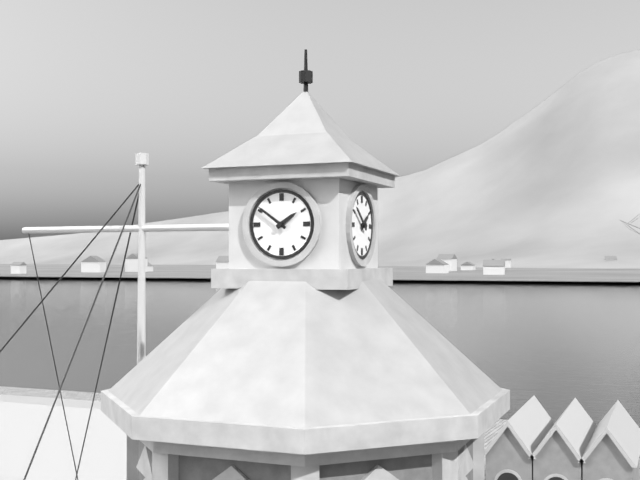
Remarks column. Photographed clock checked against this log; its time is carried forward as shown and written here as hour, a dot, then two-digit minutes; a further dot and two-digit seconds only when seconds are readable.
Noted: 1.51
